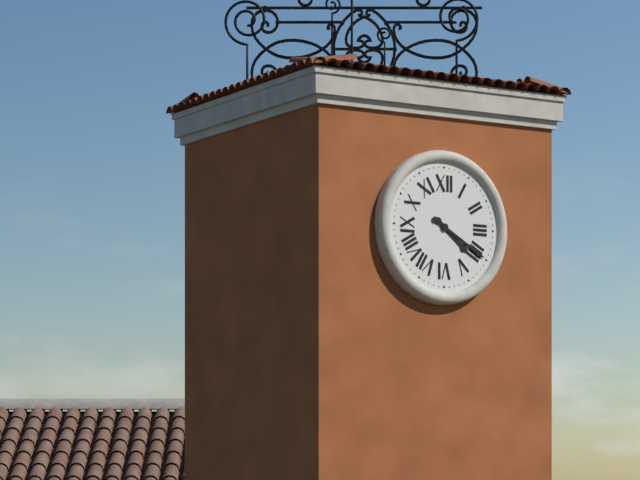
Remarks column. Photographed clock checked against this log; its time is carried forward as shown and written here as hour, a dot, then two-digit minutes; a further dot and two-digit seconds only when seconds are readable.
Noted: 4.20
